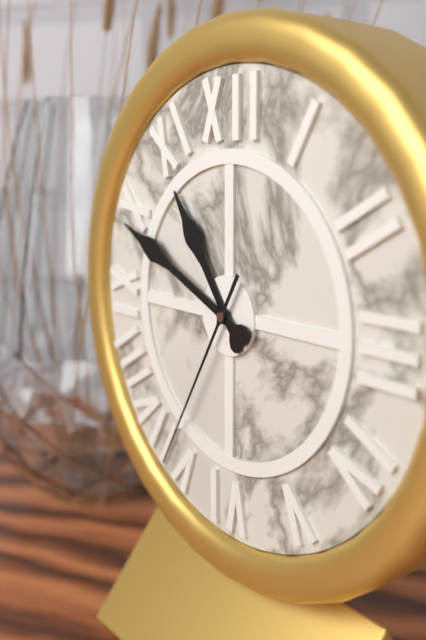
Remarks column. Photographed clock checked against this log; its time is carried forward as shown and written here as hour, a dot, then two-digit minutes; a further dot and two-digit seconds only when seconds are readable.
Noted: 10.49.35
